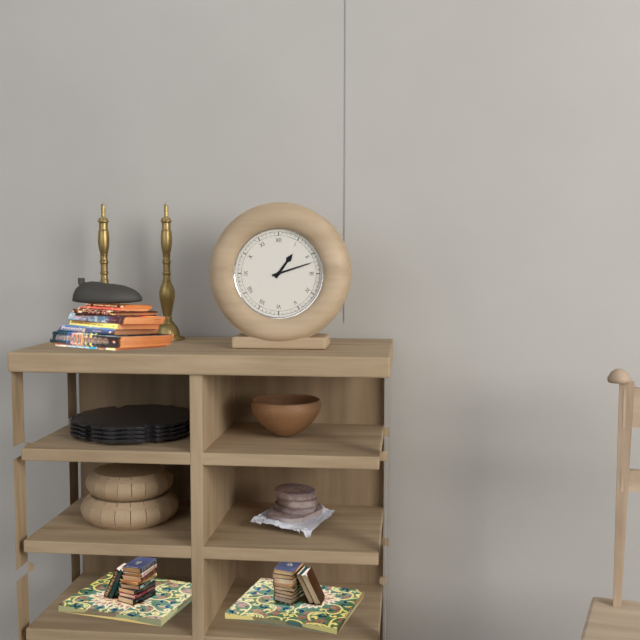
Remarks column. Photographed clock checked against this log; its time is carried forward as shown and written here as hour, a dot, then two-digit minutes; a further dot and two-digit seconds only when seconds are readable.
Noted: 1.12
